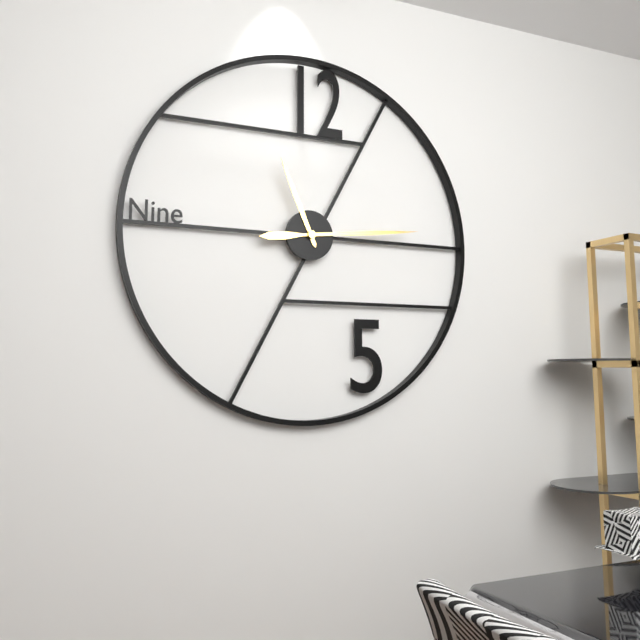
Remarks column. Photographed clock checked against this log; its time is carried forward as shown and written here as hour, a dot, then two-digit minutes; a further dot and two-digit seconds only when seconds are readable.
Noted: 11.14
